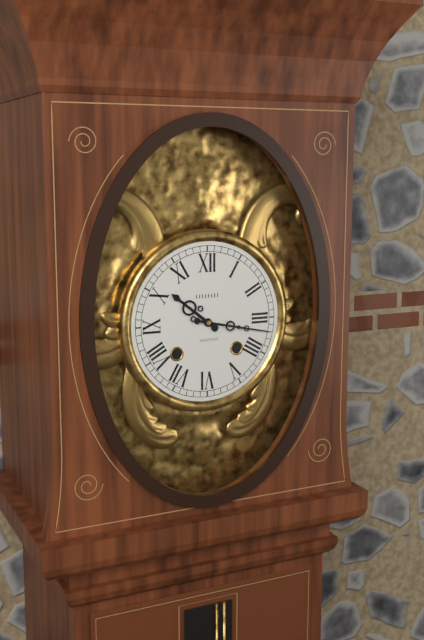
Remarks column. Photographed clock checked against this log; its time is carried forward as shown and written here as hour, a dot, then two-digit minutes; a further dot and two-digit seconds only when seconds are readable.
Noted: 10.17
